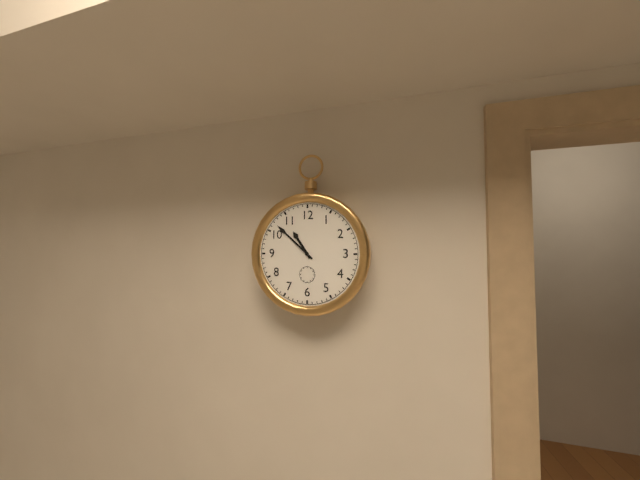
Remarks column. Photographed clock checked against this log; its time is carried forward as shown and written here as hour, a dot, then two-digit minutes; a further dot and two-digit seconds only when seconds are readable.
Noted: 10.52
